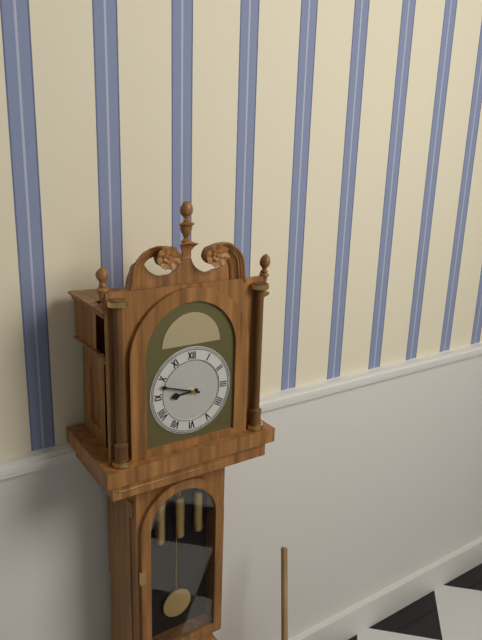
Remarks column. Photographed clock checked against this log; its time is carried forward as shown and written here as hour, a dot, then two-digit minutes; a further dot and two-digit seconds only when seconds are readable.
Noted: 8.48
